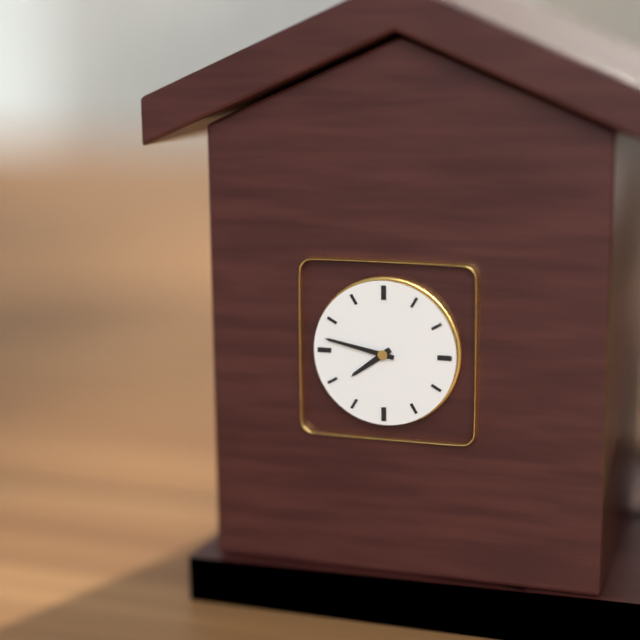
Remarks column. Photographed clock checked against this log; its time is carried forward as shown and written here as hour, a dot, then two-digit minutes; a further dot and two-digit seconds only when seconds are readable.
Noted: 7.47
